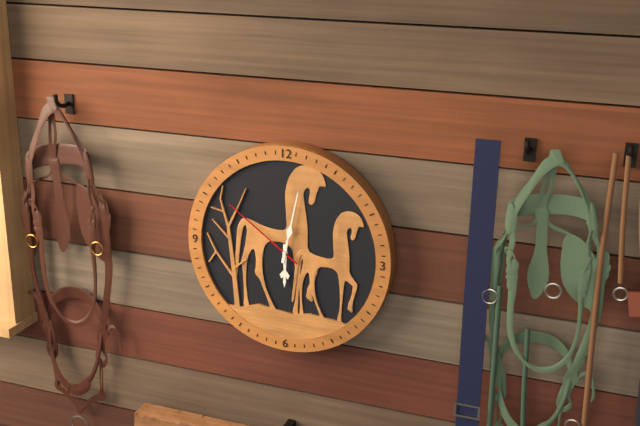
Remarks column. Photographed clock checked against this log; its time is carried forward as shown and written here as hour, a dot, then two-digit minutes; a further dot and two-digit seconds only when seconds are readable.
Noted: 6.02.51
